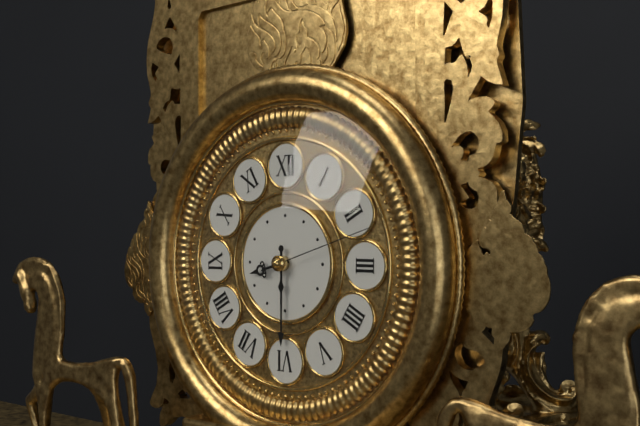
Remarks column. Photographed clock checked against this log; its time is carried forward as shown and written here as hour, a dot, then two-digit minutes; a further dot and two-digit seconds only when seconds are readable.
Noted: 8.30.12
